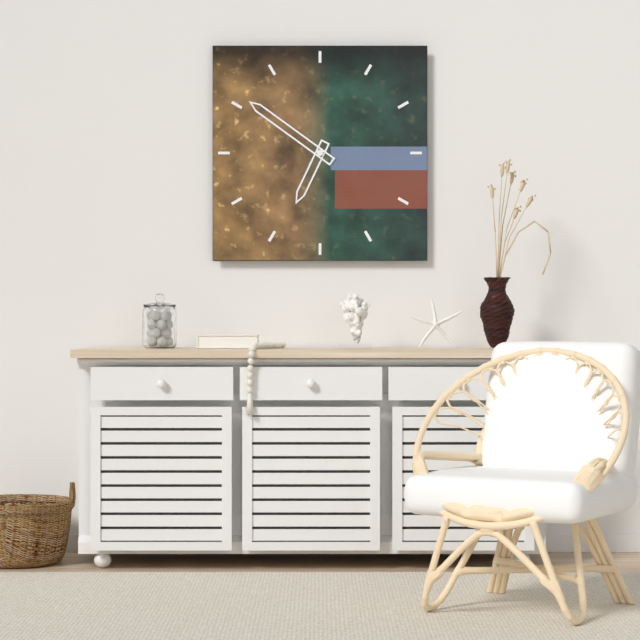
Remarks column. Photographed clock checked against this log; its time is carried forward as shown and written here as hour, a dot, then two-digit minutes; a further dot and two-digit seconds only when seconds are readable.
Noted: 6.51
